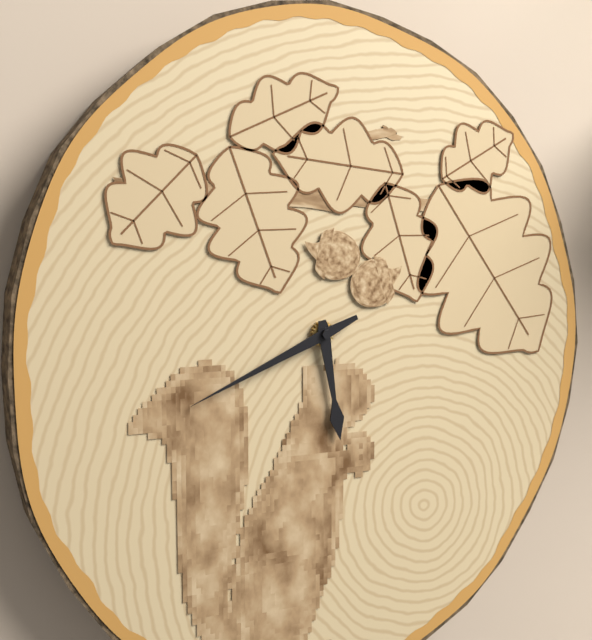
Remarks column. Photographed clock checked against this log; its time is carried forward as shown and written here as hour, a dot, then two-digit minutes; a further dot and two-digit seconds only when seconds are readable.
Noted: 5.41
